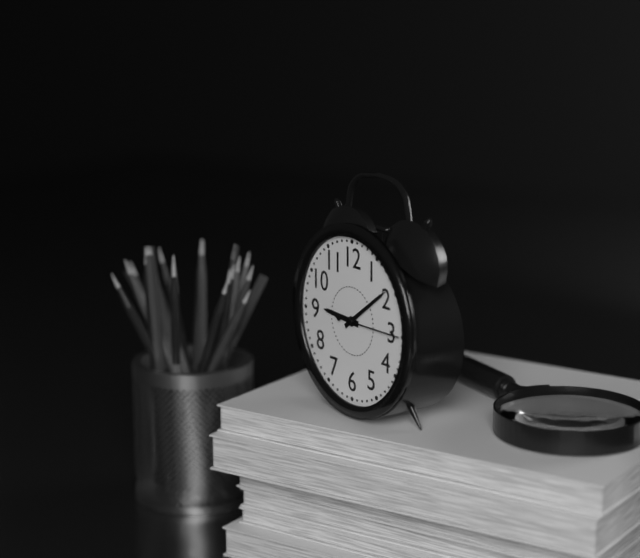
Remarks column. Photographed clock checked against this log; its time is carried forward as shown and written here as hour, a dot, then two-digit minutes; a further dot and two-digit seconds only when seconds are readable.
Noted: 9.09.15
